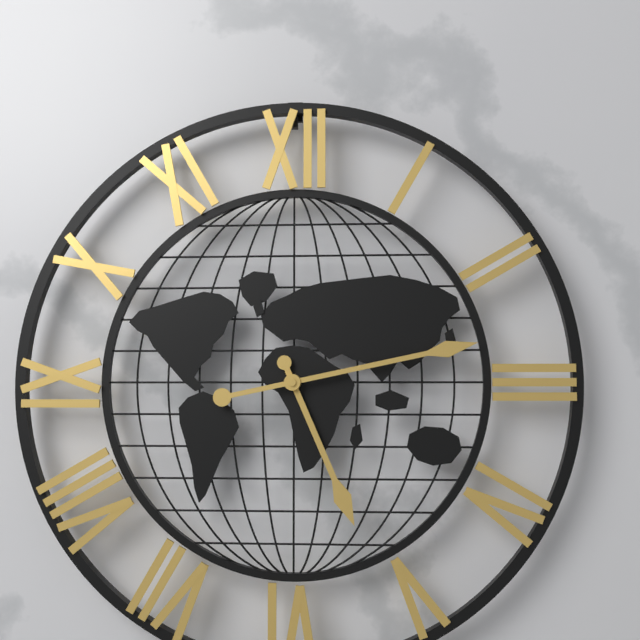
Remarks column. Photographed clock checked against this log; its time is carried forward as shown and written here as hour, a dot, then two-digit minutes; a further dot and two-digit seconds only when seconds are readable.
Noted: 5.13
